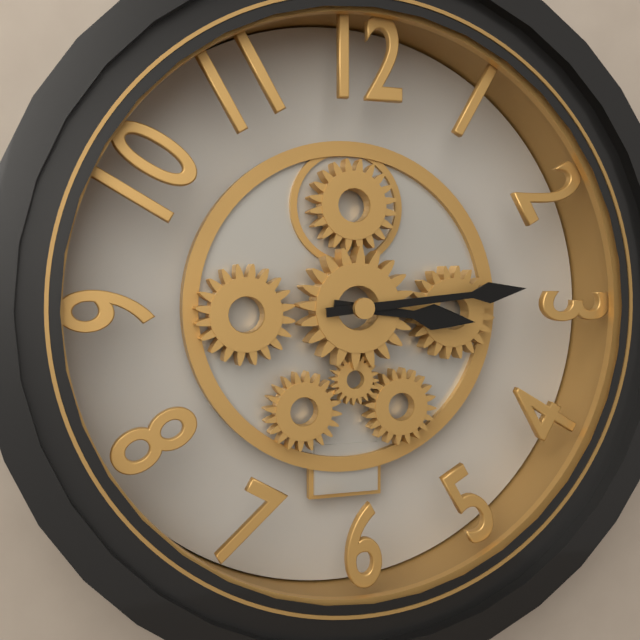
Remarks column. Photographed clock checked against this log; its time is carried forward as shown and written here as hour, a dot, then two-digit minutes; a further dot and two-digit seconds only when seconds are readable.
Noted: 3.14
